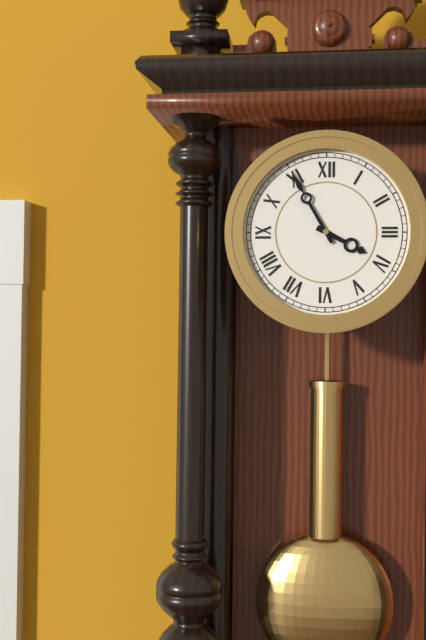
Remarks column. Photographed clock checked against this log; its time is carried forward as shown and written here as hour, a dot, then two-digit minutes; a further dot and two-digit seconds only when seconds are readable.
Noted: 3.55
